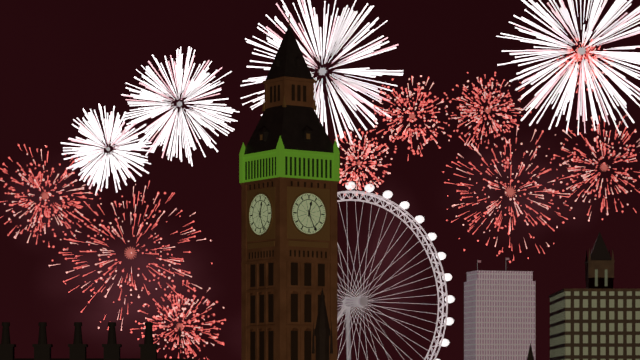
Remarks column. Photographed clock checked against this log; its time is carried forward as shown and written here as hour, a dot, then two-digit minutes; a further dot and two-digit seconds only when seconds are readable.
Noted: 12.26
